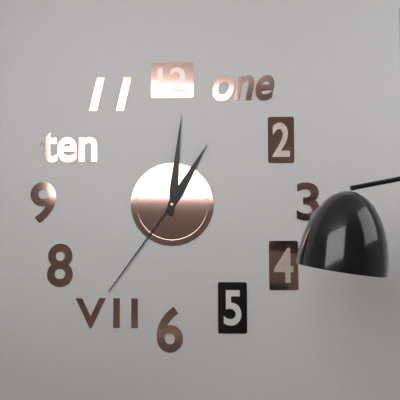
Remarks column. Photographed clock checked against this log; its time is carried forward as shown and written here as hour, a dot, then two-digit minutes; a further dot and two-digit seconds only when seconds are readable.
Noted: 1.01.36
